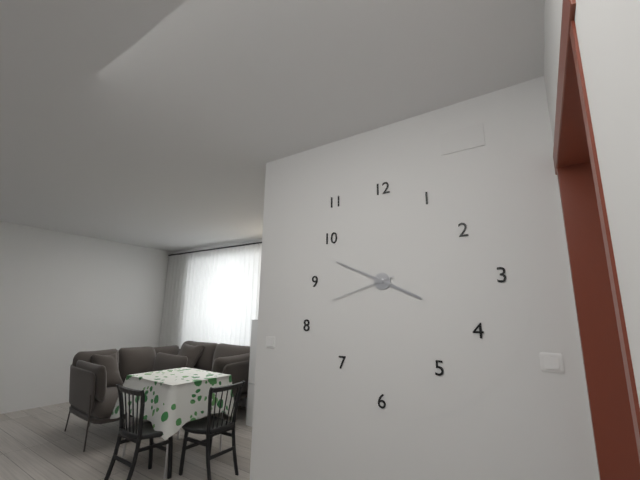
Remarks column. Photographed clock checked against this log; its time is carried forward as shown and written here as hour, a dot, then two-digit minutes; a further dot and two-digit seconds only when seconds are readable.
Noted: 3.49.42
